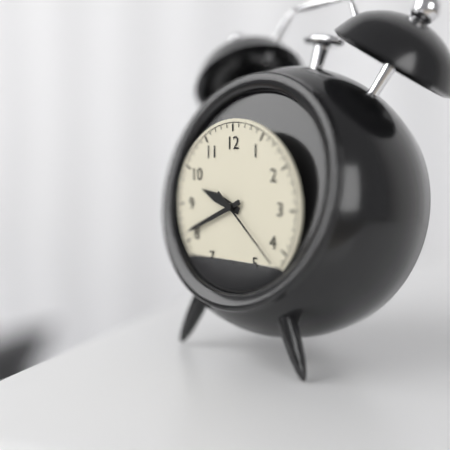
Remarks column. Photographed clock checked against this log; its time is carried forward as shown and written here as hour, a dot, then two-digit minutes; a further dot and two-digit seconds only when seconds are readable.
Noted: 9.41.22
